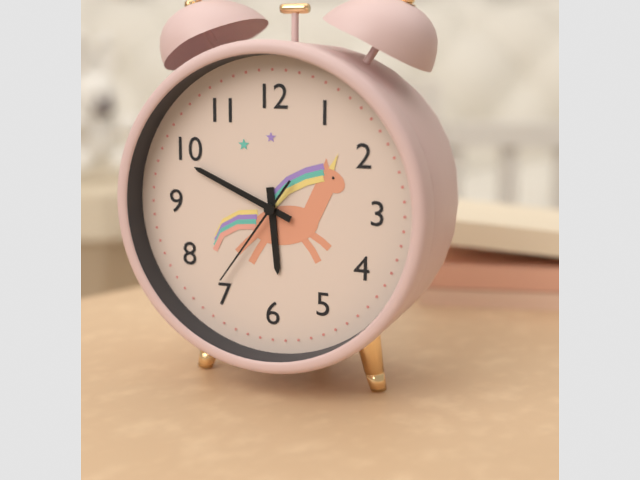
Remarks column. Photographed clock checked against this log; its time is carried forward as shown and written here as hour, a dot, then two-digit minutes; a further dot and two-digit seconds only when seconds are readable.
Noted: 5.49.36
